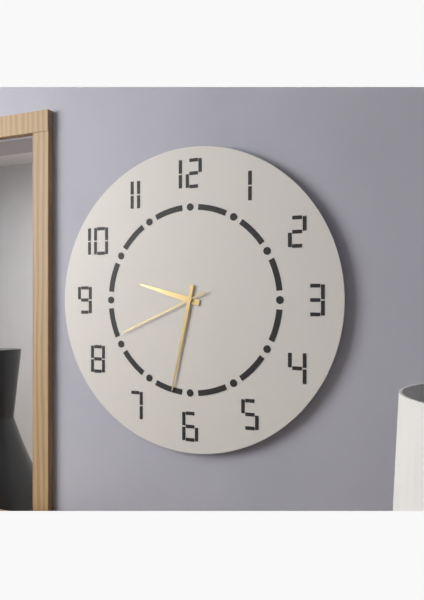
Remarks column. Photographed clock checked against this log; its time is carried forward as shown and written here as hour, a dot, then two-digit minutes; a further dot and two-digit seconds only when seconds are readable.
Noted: 9.32.41
